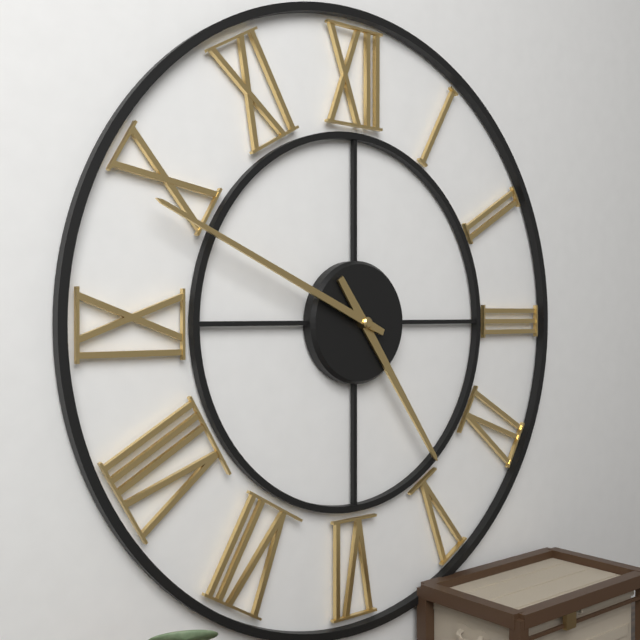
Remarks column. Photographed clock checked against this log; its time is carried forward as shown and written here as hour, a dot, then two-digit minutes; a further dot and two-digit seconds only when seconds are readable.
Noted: 4.49
